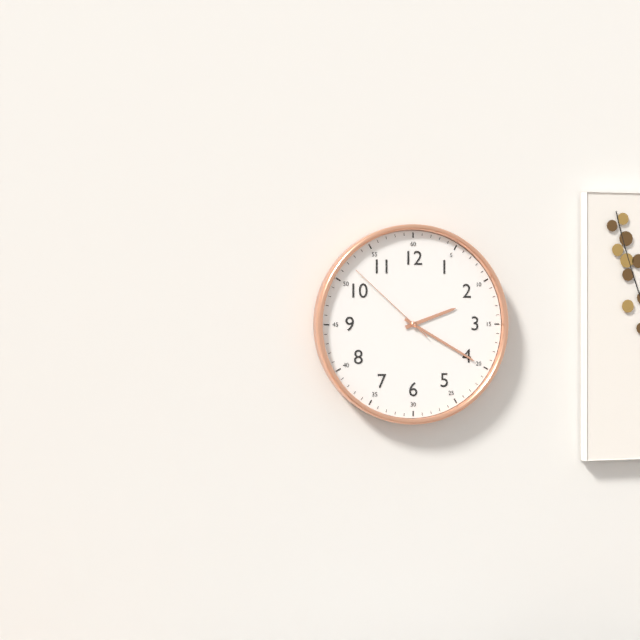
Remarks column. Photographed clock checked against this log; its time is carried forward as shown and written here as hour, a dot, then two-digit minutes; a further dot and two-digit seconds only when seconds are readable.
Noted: 2.20.52
